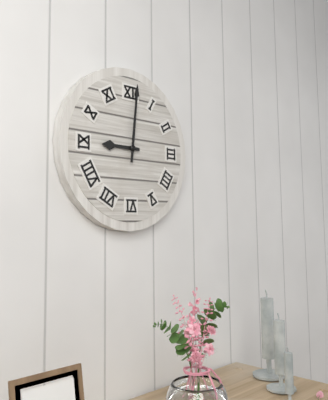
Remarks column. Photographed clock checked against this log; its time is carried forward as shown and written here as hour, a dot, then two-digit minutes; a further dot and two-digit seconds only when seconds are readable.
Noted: 9.01
